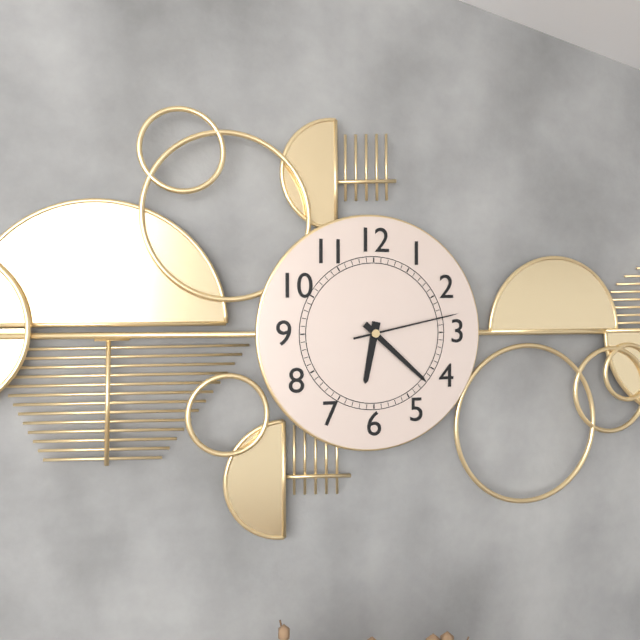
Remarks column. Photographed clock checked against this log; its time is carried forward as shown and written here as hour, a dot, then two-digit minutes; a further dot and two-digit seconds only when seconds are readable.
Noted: 6.22.13
